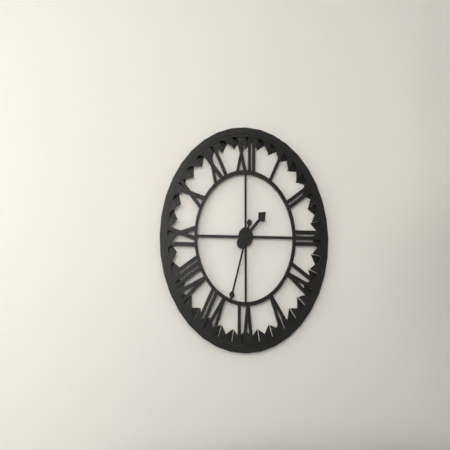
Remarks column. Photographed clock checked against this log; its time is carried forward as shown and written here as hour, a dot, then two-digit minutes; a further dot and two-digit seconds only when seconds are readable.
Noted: 1.33
